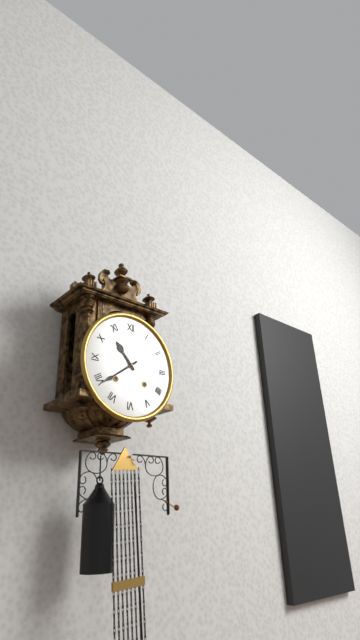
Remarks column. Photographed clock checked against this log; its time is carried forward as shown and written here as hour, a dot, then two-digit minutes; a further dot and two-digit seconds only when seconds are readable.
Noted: 10.39
